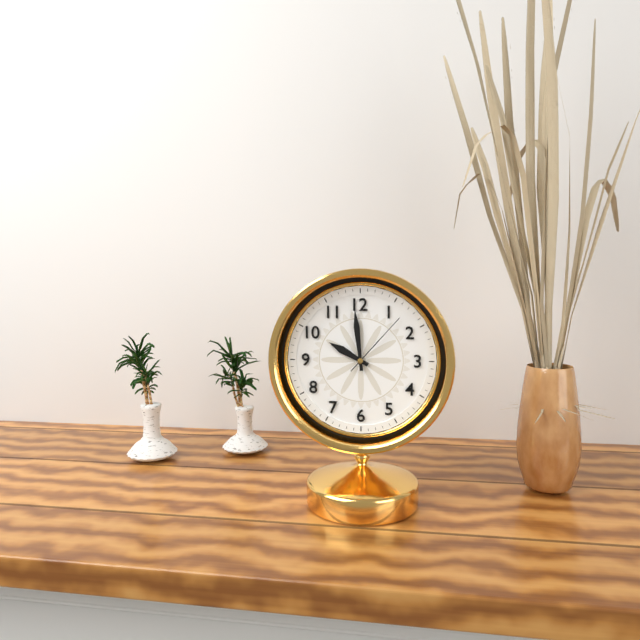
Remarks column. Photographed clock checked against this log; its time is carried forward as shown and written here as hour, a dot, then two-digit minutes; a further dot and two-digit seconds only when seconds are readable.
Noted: 9.59.07
